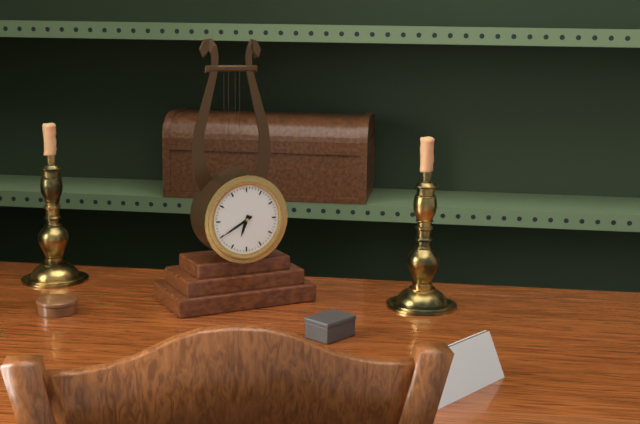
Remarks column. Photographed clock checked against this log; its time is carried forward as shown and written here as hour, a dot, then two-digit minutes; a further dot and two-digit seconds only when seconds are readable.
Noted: 6.40
